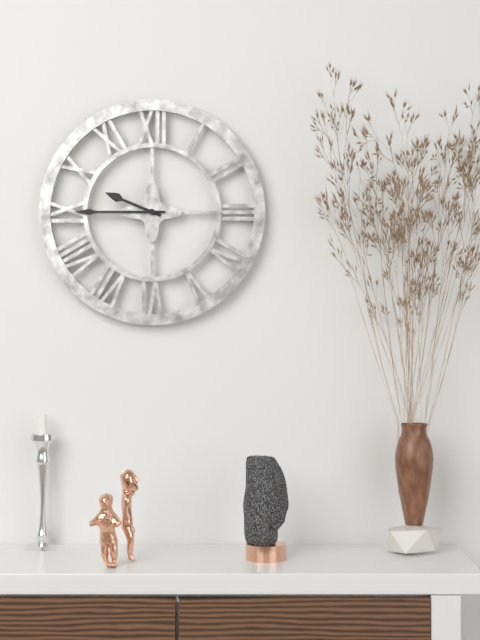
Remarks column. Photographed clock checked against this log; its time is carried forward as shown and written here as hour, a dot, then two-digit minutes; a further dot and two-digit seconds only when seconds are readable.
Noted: 9.45
